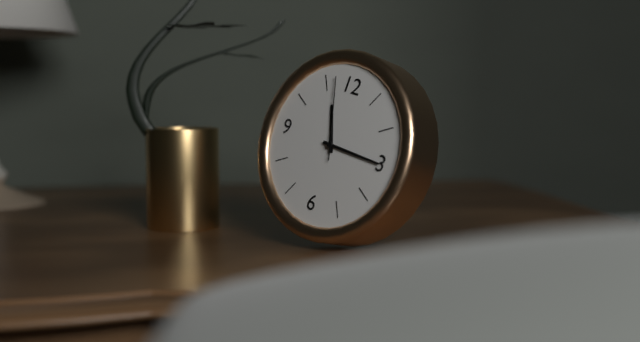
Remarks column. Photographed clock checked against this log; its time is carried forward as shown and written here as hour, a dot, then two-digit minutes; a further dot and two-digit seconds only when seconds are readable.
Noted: 11.15.57
